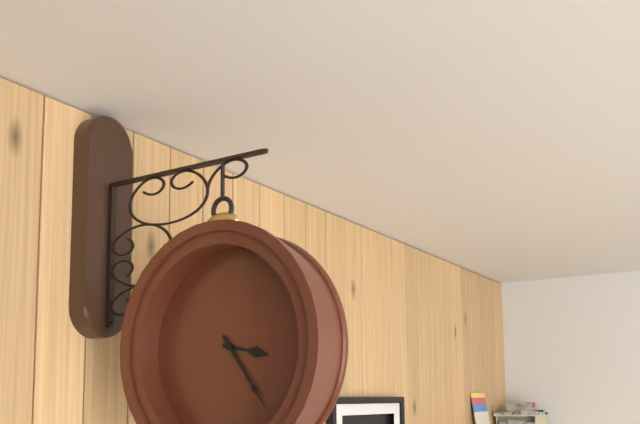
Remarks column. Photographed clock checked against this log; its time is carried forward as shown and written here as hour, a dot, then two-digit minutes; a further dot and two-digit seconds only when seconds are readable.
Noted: 3.24
